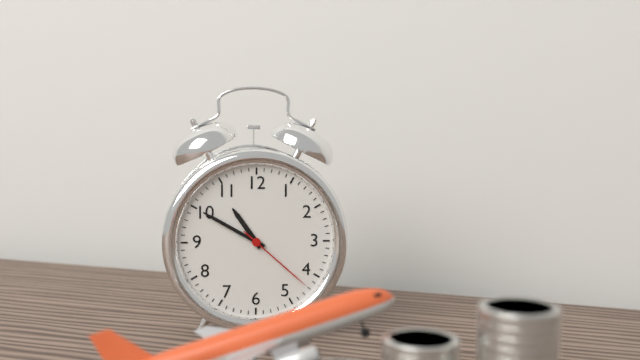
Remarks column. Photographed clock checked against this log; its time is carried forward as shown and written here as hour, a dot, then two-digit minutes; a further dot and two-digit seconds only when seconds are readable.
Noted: 10.50.22
